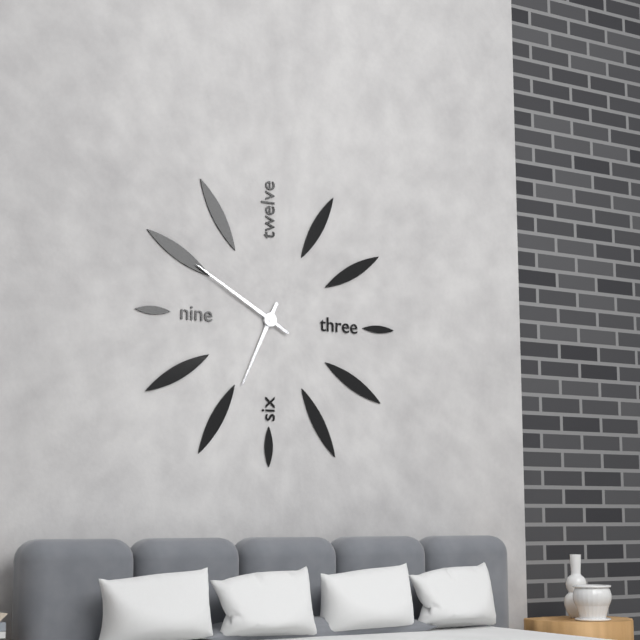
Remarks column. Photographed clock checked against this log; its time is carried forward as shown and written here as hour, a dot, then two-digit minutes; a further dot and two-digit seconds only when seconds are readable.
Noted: 6.50
